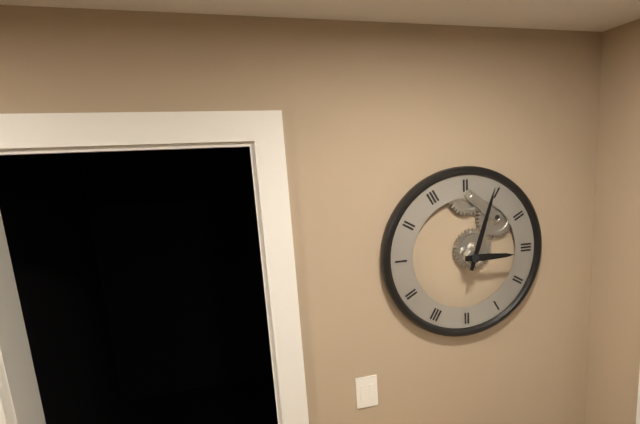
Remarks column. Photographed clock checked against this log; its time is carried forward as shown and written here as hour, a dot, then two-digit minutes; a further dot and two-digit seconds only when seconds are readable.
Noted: 3.03
